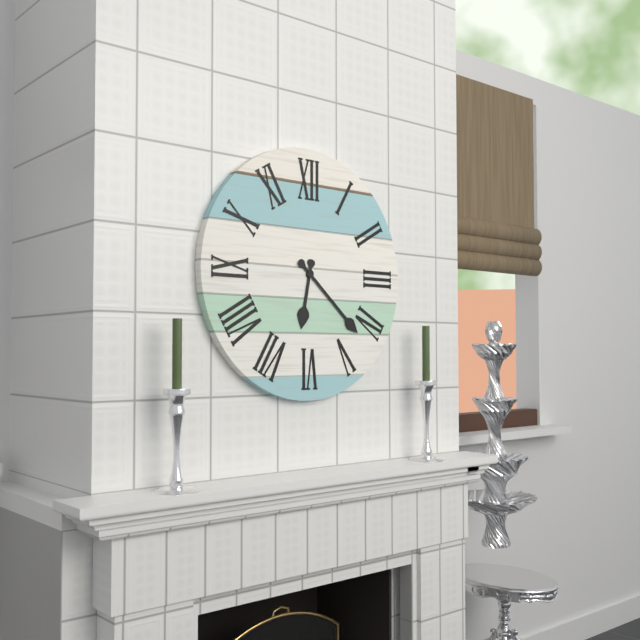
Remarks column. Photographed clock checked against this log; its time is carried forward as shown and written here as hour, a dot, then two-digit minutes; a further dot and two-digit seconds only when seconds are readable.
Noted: 6.22
